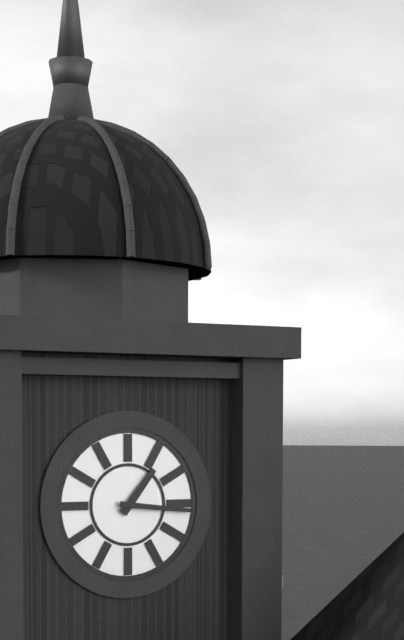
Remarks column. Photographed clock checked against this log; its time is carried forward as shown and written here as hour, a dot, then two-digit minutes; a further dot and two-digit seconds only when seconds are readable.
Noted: 1.16
